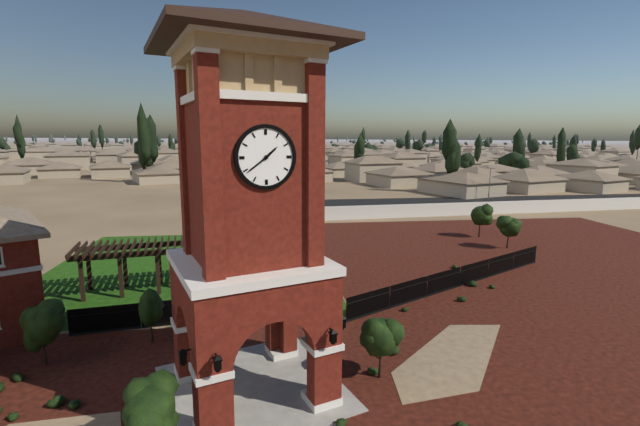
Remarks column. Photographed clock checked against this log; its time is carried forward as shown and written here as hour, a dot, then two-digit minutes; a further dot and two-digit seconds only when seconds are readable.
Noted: 1.39
